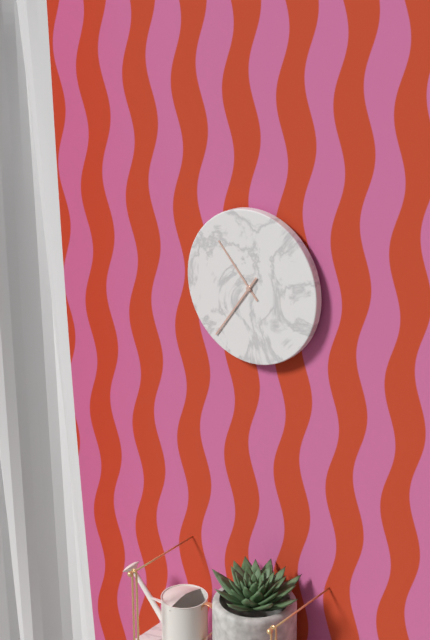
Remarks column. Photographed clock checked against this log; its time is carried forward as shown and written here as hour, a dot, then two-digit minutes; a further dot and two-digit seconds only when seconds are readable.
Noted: 10.36
